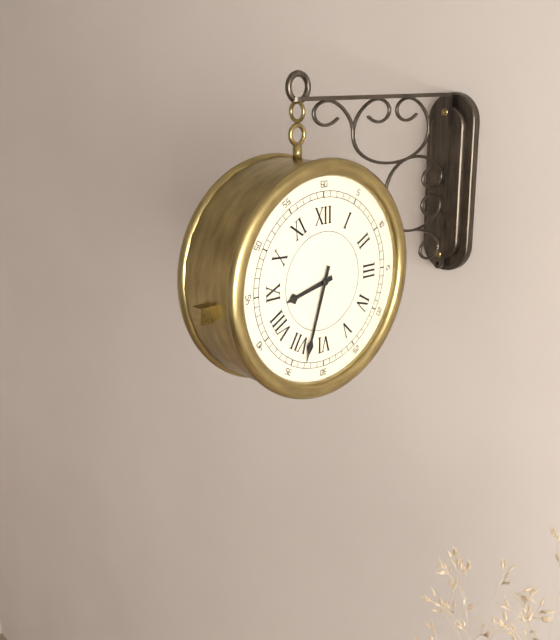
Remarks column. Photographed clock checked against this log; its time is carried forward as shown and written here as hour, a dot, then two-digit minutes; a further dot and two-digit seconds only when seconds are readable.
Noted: 8.33
